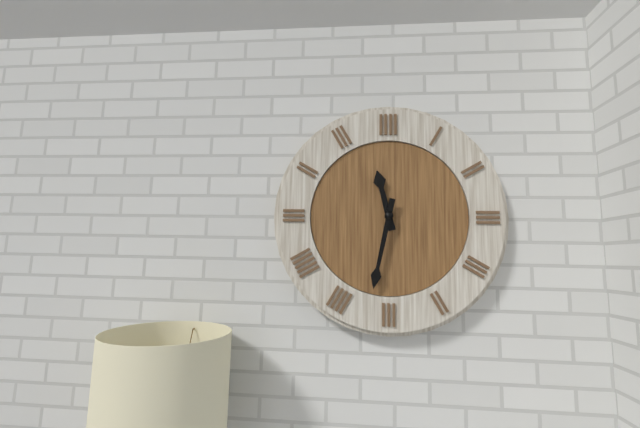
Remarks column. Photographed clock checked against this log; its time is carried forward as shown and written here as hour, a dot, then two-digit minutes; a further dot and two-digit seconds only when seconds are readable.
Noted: 11.32
